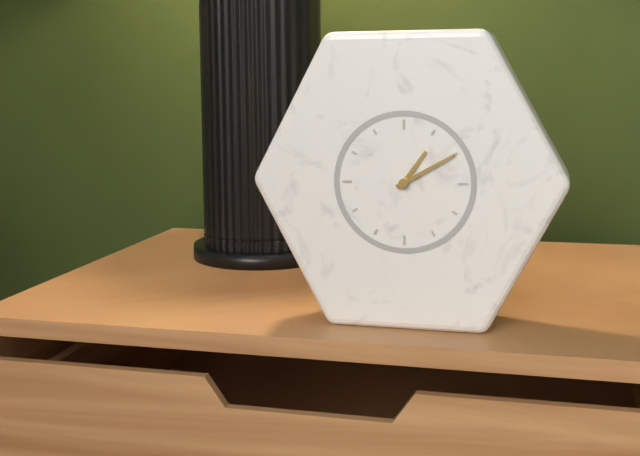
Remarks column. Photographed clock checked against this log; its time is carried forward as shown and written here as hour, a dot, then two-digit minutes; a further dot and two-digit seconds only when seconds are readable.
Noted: 1.10
